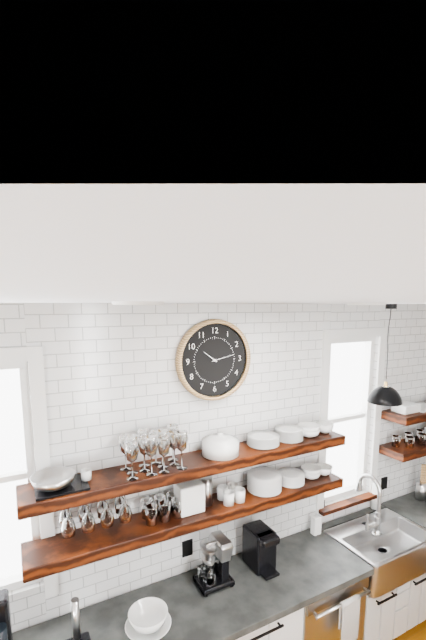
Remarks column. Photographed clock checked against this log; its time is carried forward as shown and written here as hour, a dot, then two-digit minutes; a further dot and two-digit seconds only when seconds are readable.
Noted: 10.13
